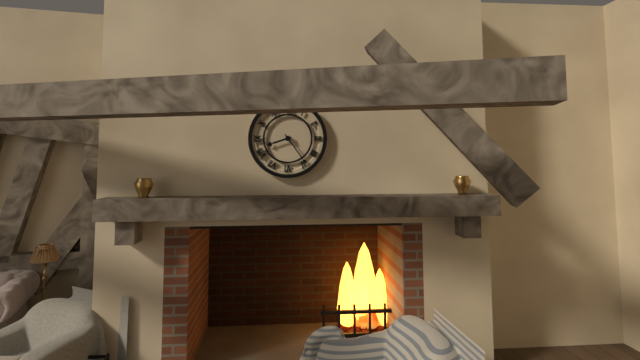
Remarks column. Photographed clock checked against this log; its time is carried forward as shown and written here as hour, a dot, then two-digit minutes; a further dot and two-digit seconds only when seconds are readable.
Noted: 8.24
